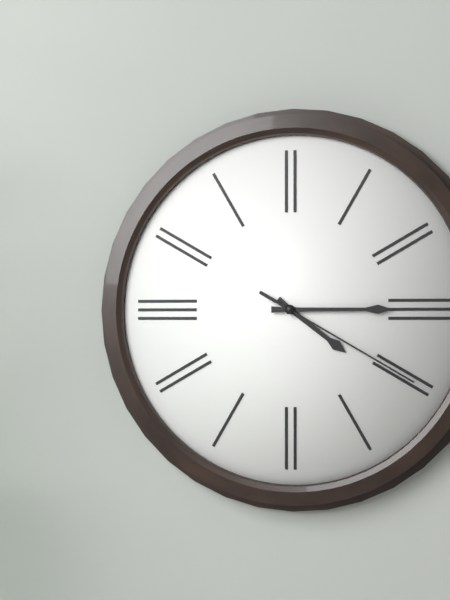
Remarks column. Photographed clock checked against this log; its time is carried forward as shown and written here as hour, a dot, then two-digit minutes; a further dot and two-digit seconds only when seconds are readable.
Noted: 4.15.20
